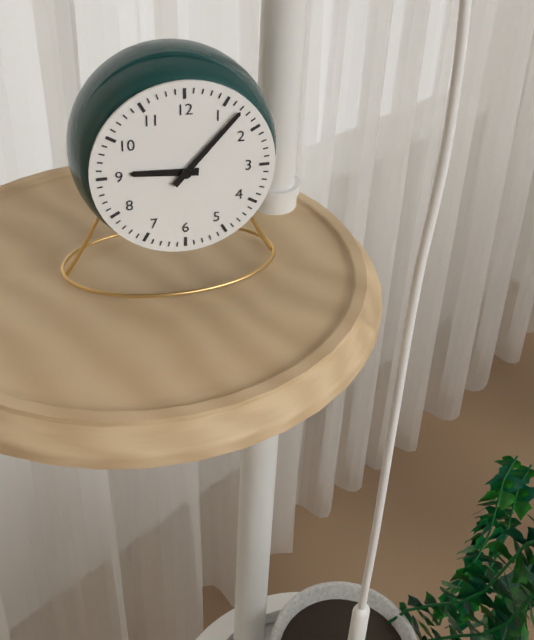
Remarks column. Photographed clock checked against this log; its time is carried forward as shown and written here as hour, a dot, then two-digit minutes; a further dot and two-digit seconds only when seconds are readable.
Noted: 9.07
